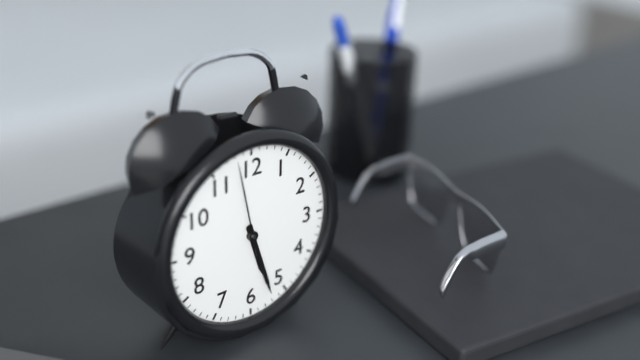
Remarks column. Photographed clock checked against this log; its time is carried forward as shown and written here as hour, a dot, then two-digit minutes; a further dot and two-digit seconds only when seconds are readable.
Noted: 5.27.58
